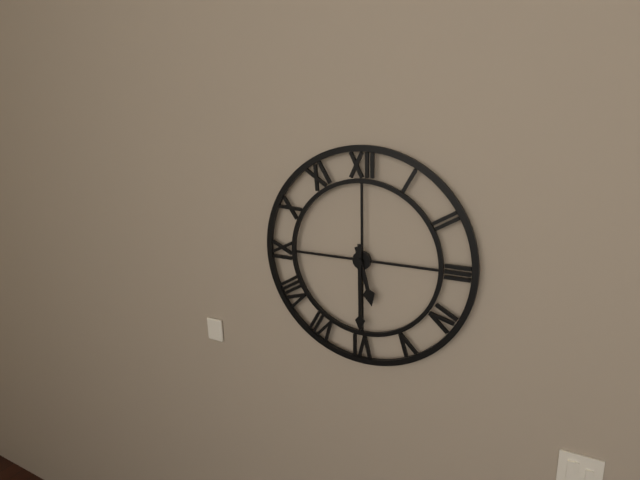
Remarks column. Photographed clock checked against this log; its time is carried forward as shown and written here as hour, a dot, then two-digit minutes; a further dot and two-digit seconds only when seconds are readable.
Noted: 5.30
